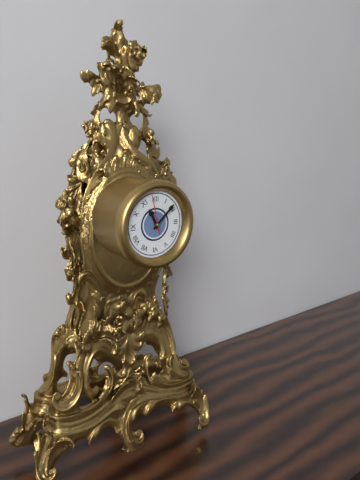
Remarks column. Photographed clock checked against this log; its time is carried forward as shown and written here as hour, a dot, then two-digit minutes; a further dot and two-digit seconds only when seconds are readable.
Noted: 11.08
